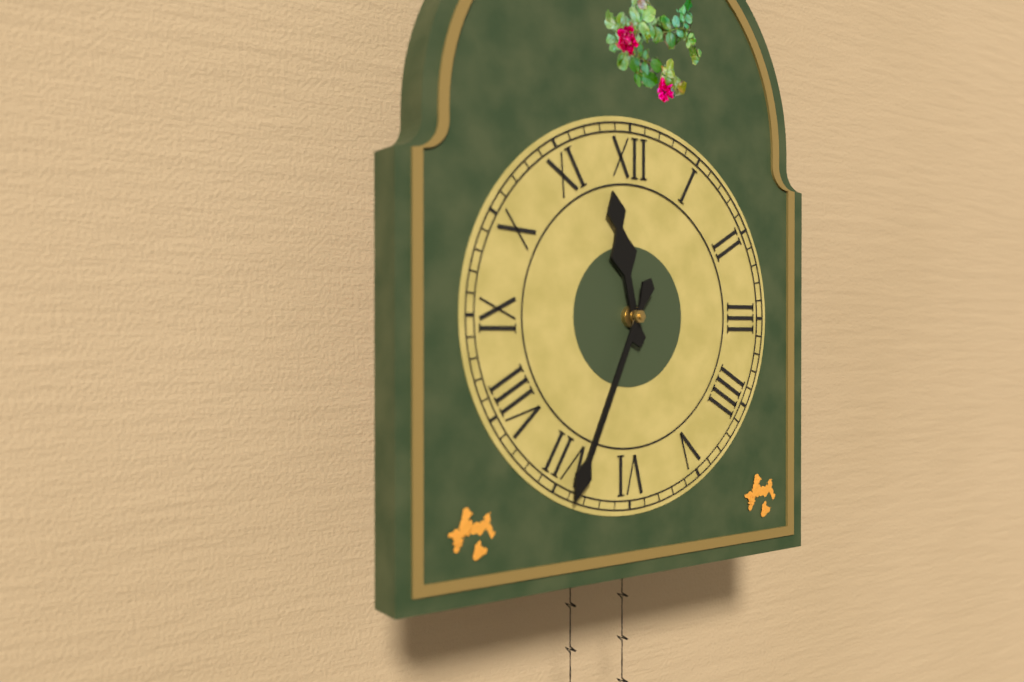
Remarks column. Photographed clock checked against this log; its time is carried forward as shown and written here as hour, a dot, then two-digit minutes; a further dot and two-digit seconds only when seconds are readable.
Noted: 11.34
